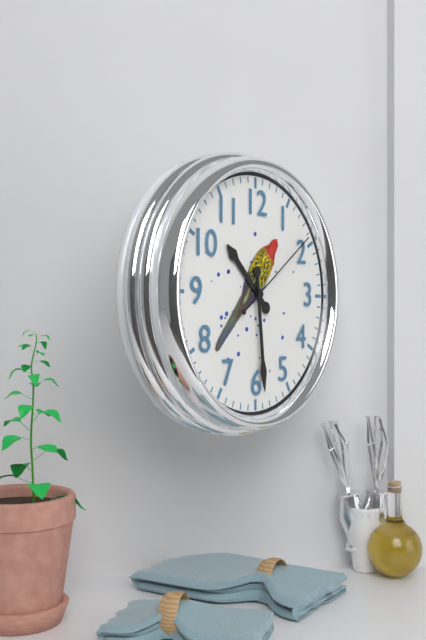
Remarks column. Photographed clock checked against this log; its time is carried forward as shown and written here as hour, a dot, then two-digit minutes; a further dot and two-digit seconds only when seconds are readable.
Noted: 10.29.09
